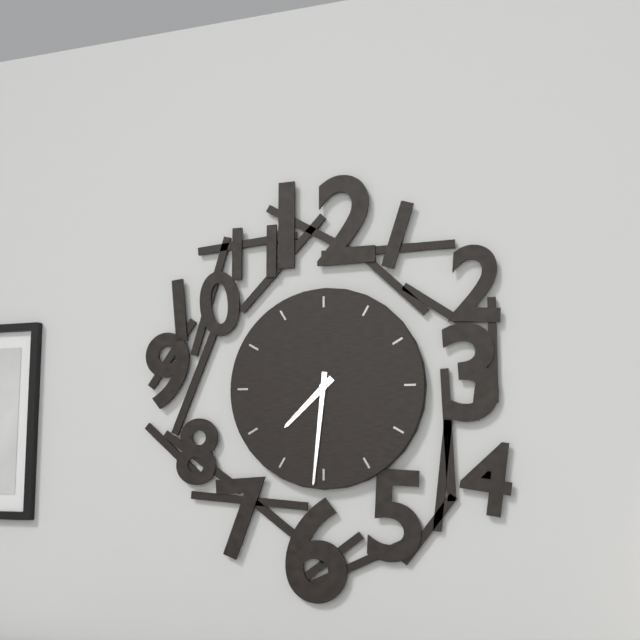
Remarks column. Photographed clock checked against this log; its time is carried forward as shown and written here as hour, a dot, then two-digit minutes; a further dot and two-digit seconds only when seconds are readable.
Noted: 7.31
